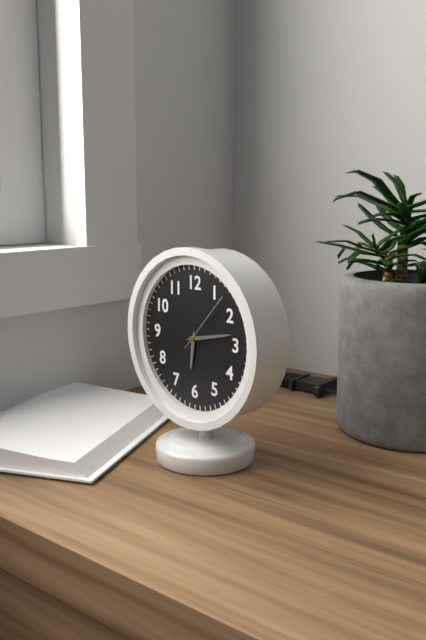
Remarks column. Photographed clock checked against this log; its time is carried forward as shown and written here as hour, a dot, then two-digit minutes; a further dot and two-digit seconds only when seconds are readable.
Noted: 6.13.07
